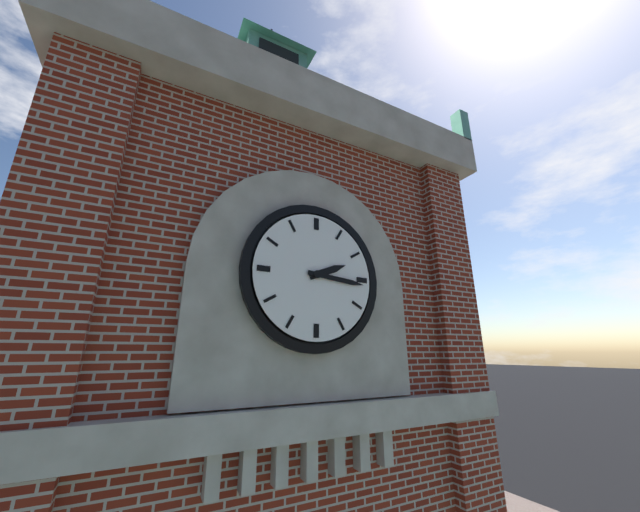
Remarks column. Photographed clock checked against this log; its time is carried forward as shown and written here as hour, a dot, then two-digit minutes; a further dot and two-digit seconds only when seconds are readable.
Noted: 2.16
